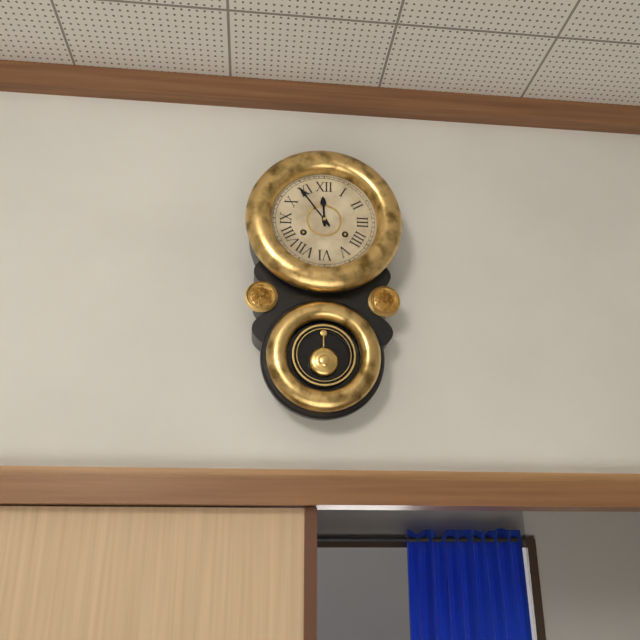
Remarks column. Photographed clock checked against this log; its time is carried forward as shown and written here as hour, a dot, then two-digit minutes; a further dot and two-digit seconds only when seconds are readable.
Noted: 11.54
